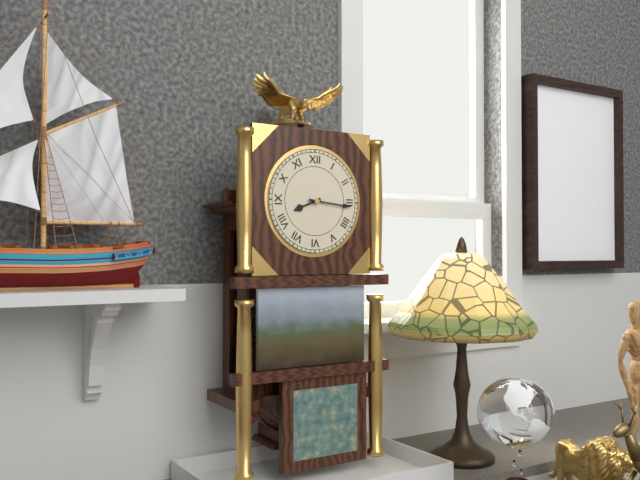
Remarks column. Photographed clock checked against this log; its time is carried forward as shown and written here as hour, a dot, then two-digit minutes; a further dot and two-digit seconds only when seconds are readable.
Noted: 8.16
